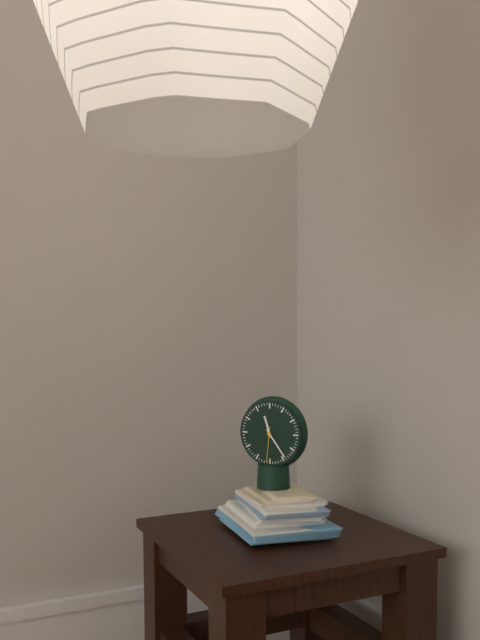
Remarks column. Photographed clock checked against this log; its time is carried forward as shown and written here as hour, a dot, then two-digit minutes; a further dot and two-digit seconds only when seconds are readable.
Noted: 11.24
